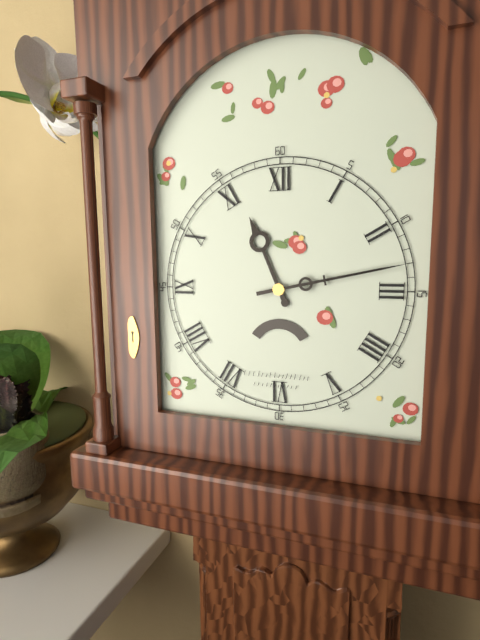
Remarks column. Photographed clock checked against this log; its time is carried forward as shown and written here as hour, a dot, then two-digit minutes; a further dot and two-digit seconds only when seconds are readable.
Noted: 11.13
